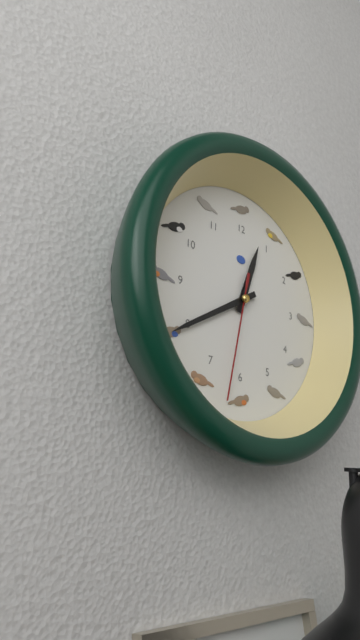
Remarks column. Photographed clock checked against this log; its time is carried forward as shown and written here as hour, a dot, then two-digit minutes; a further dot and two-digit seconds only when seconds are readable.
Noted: 12.40.32
